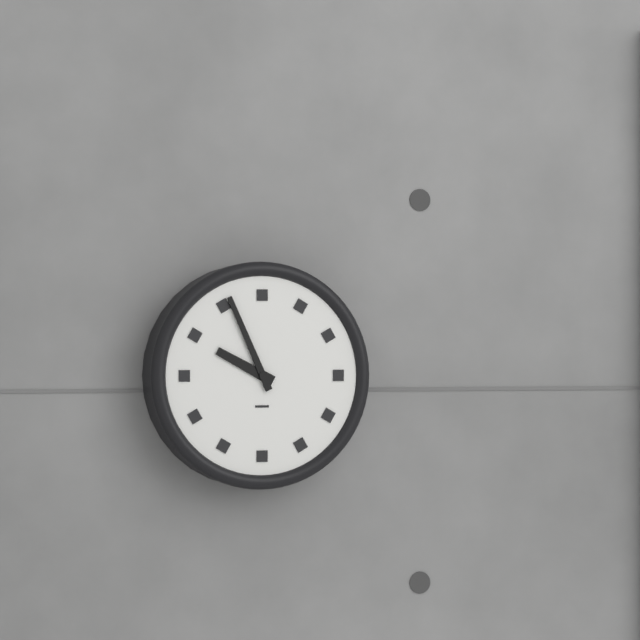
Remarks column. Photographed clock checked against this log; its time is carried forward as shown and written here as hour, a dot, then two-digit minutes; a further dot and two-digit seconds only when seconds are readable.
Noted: 9.56
